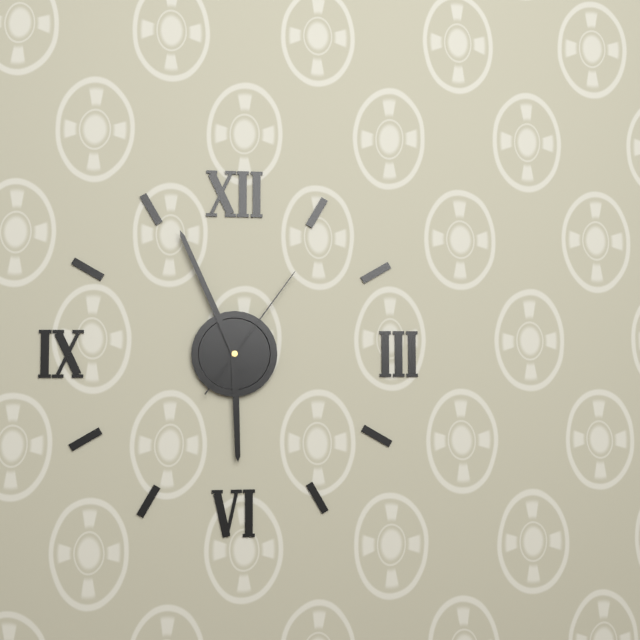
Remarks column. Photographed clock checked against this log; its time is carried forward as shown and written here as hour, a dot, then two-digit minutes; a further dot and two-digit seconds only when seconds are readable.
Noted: 5.56.06
